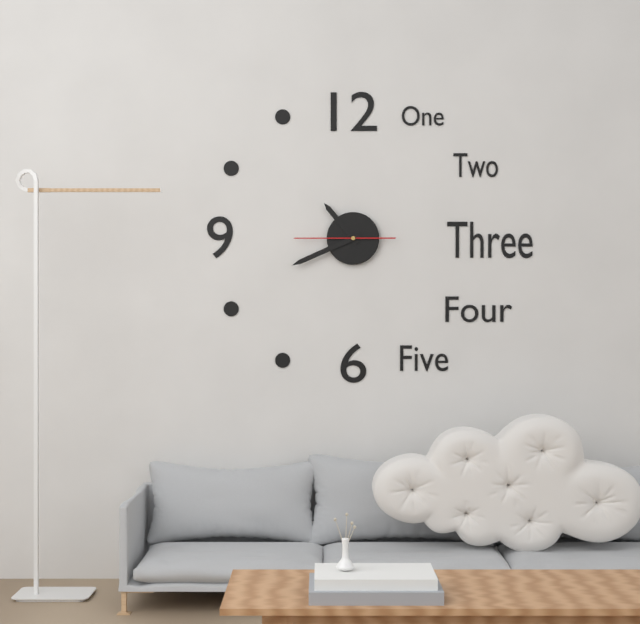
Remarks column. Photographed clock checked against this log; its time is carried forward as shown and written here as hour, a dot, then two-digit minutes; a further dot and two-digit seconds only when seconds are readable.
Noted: 10.41.45
